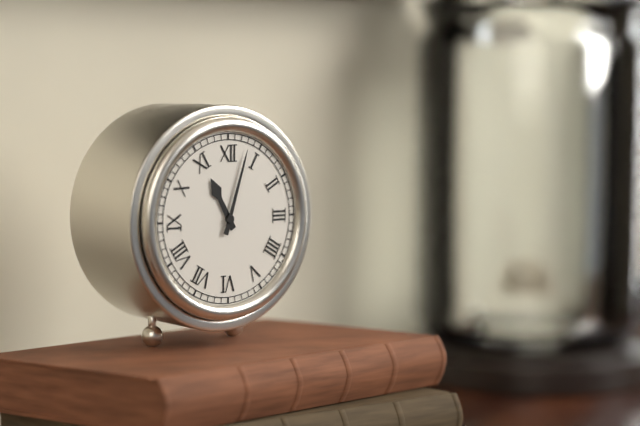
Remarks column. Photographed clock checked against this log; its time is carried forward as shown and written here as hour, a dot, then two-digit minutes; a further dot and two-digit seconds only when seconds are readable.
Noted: 11.03
